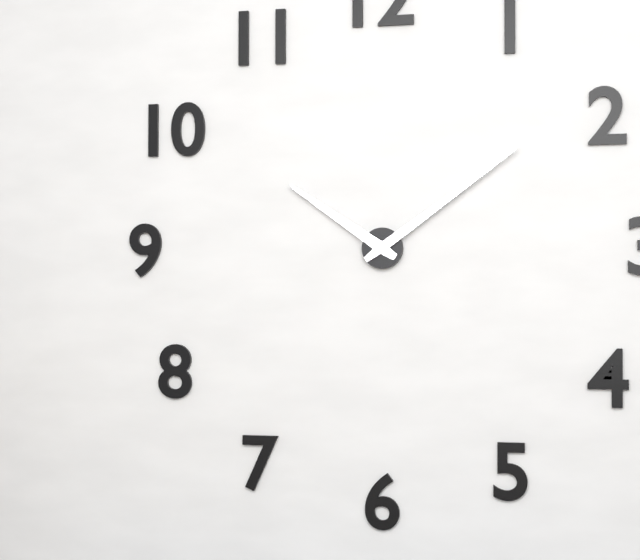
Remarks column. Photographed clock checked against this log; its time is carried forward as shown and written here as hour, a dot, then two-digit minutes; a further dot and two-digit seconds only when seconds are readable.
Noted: 10.09
